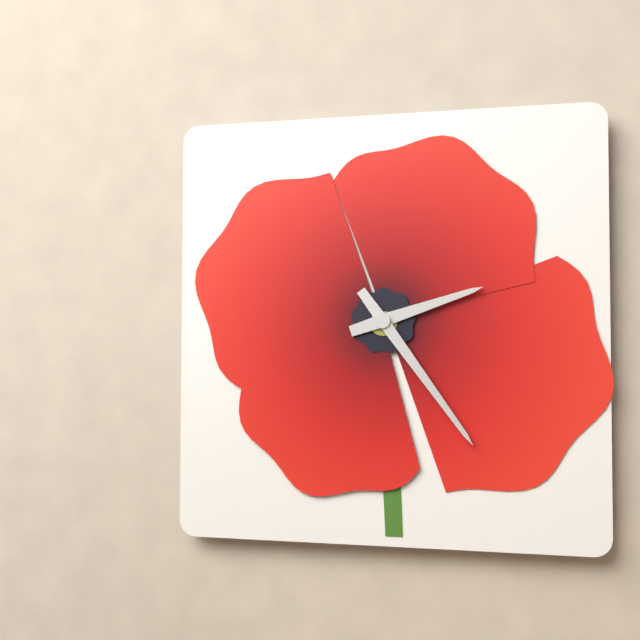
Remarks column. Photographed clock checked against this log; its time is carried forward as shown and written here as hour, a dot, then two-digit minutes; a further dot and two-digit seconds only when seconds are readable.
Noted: 2.24
